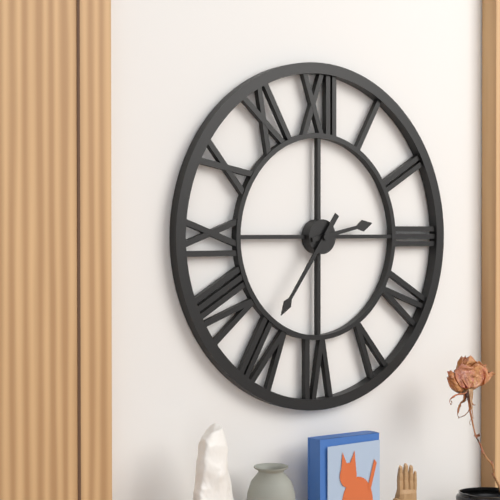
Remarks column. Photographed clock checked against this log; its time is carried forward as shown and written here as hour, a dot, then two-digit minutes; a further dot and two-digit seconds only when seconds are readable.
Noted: 2.36
